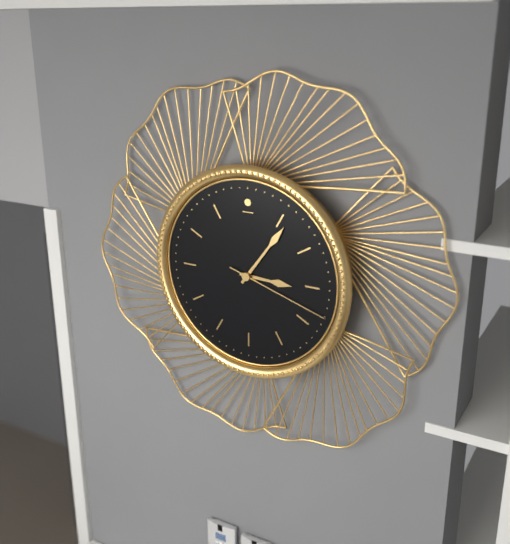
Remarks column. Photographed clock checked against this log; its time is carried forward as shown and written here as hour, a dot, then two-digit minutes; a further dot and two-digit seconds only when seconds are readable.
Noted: 3.06.18
